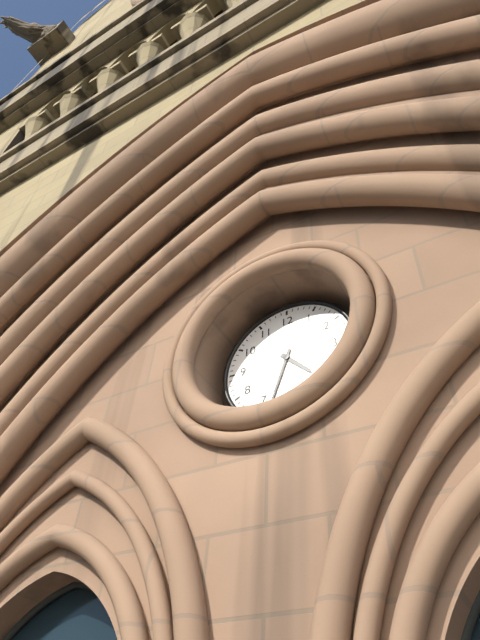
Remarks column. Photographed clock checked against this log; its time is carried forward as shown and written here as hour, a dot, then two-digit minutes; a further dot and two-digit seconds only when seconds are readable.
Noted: 4.33
